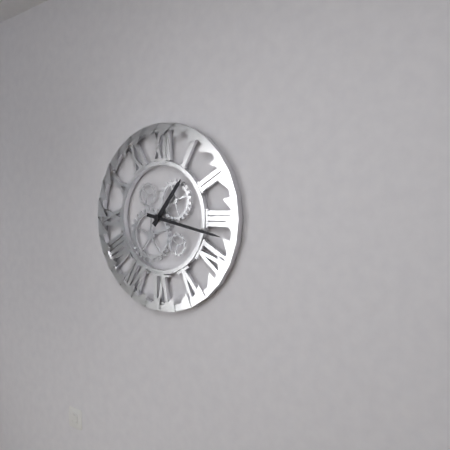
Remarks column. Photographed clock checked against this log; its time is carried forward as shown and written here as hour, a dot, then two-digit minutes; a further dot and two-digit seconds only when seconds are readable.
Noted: 1.17
